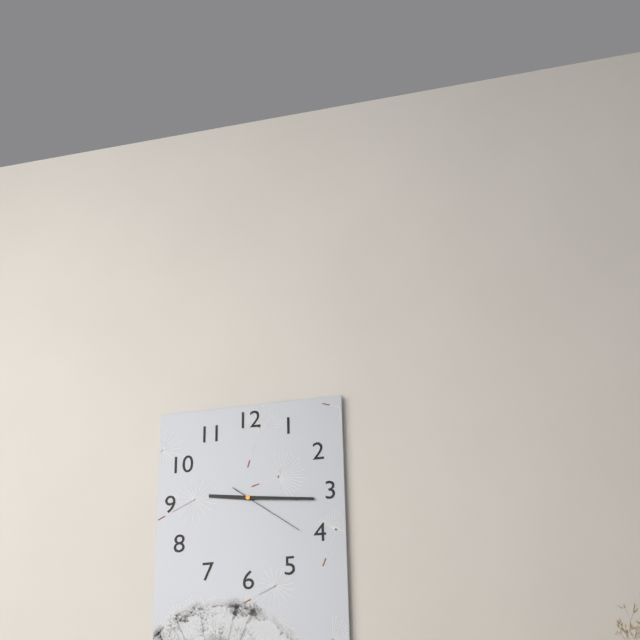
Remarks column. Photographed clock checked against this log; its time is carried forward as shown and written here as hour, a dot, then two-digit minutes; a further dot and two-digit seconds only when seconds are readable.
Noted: 9.16.21
